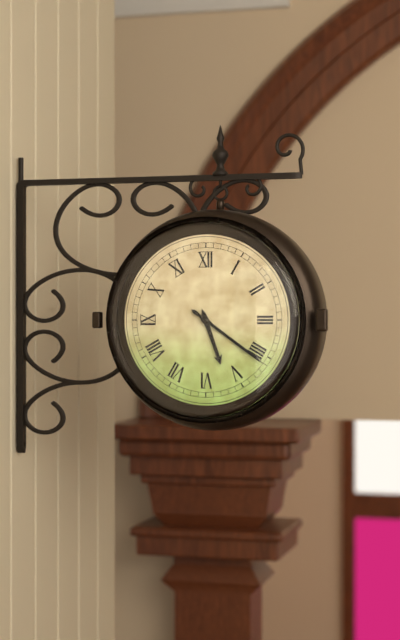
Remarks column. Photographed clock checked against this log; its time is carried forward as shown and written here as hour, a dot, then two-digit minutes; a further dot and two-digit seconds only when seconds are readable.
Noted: 5.21
